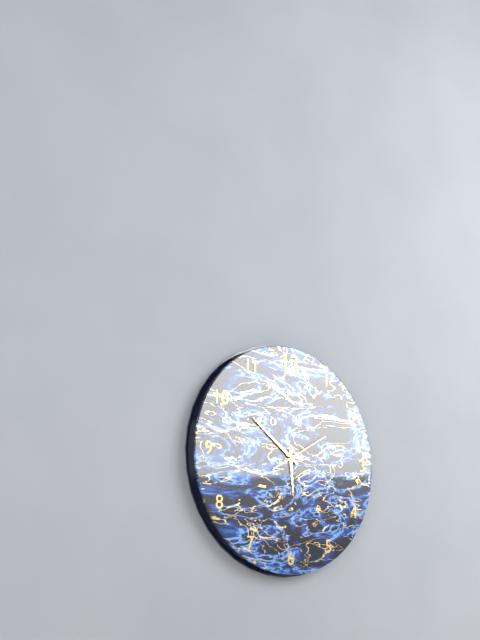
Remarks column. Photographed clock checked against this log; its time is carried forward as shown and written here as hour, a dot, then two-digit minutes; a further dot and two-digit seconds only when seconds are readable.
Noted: 5.51.10
